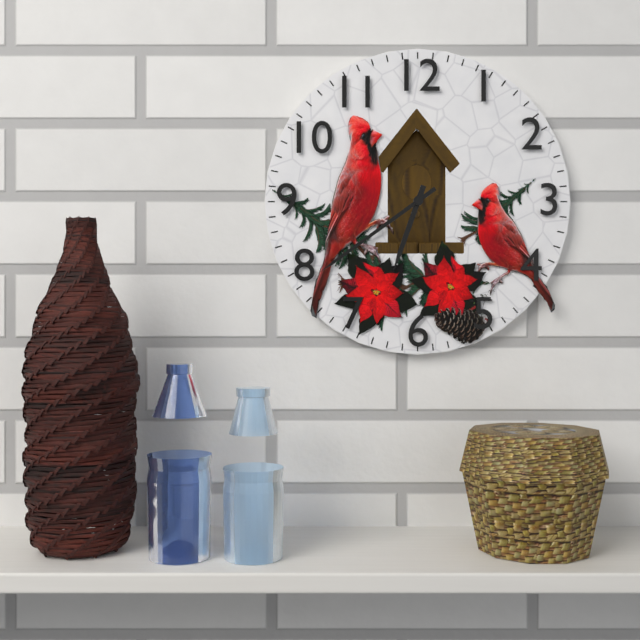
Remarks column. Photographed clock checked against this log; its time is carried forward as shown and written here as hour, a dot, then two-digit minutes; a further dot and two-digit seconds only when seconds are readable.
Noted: 6.39
